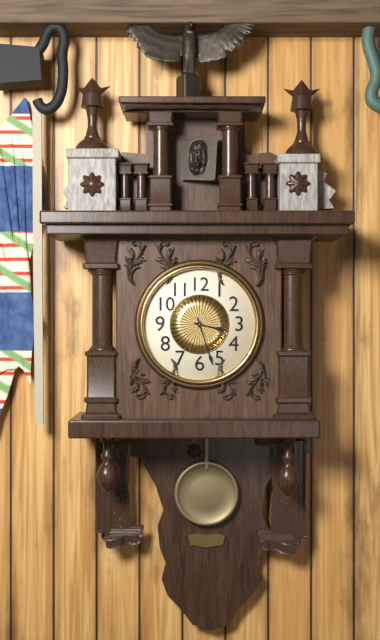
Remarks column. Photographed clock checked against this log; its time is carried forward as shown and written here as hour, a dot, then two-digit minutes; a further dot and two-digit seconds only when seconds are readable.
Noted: 3.27
